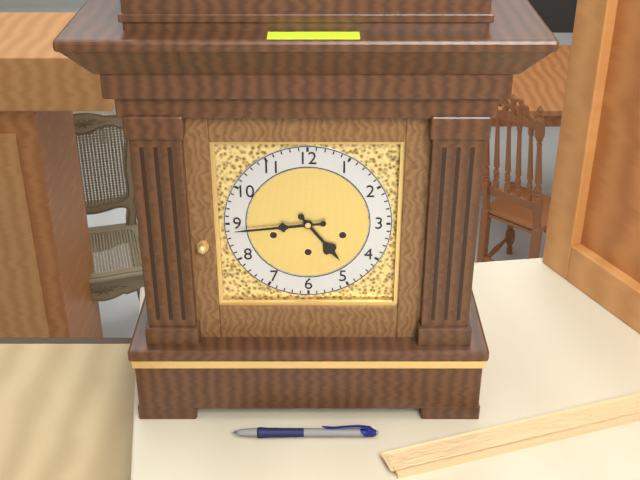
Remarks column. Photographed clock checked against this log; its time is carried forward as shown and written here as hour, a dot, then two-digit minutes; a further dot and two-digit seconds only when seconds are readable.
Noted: 4.44
